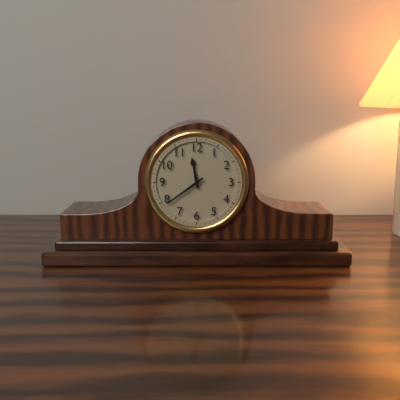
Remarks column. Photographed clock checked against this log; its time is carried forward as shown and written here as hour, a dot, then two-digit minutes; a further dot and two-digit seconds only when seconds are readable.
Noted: 11.39
